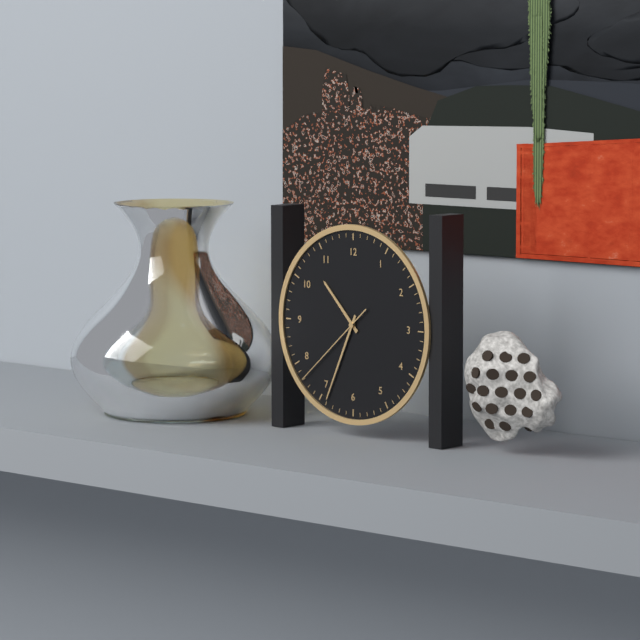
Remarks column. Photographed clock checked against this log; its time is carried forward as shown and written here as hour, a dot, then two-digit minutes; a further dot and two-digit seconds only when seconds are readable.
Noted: 10.34.38
